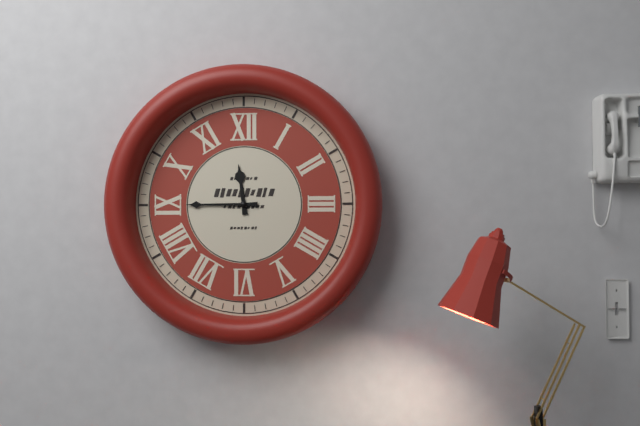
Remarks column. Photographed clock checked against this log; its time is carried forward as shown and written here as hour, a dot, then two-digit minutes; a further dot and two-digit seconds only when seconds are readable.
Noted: 11.45
